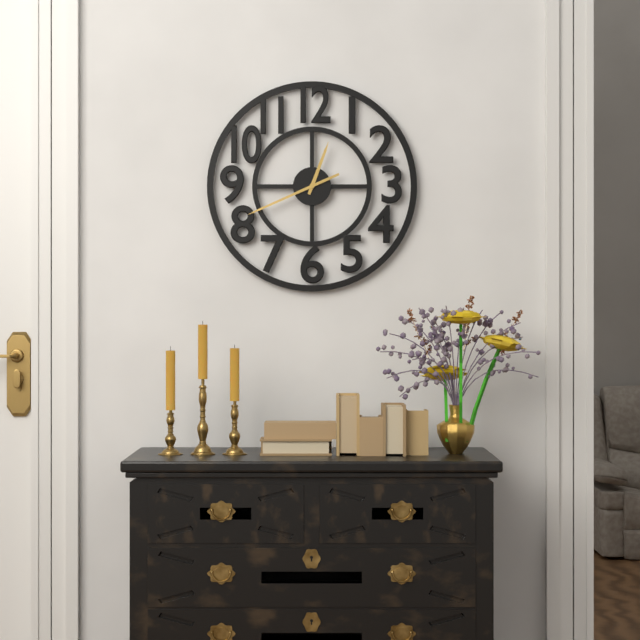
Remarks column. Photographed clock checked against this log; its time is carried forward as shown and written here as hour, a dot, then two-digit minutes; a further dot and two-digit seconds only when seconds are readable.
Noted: 12.41
